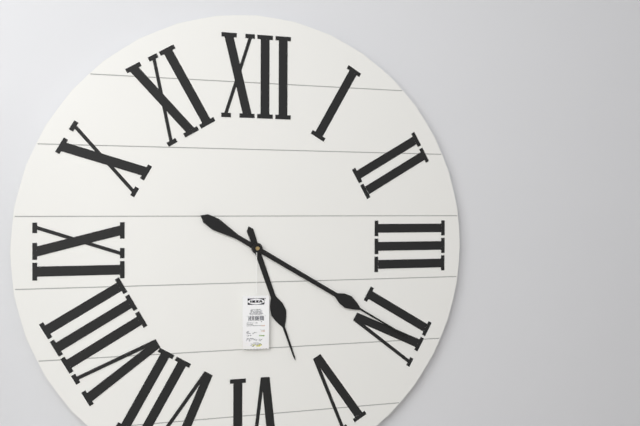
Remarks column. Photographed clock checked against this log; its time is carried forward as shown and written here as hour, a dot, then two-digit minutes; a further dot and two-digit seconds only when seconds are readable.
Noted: 5.20
